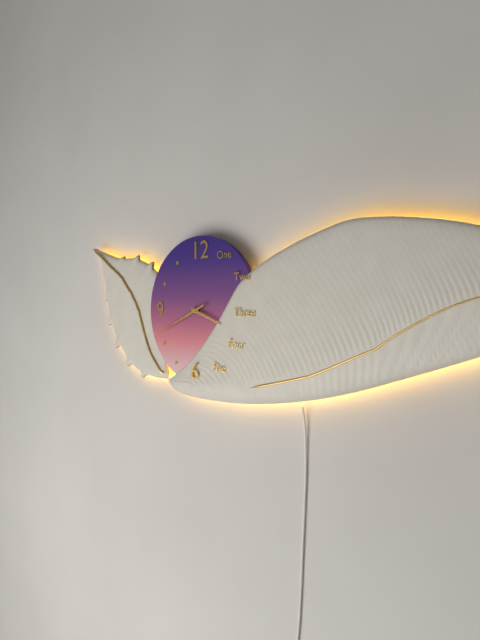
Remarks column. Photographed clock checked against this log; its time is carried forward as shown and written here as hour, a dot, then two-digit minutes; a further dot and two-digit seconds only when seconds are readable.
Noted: 3.41
